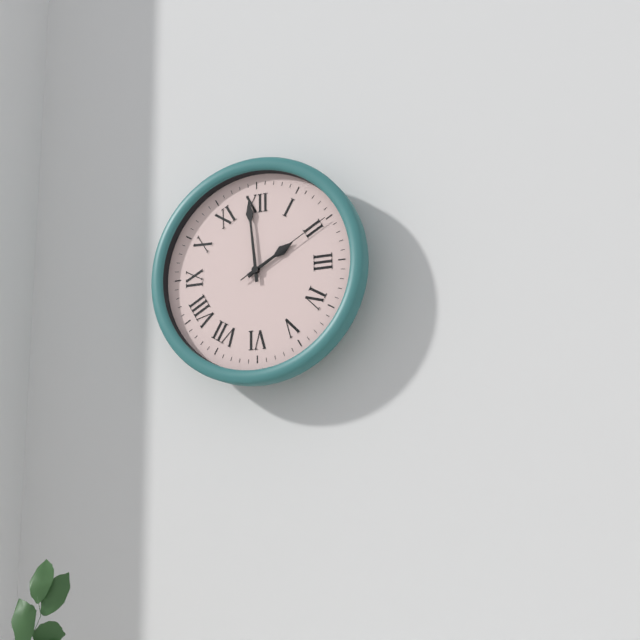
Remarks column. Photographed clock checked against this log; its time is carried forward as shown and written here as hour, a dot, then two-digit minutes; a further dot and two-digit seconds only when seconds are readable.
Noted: 1.59.10
